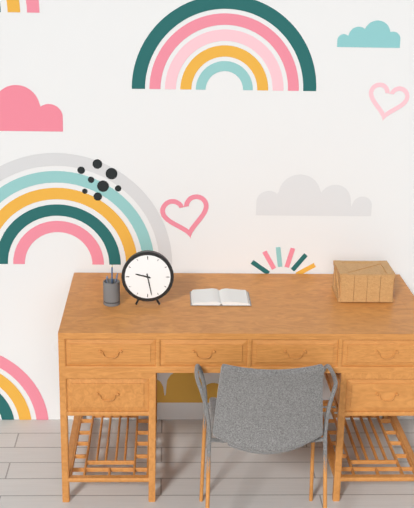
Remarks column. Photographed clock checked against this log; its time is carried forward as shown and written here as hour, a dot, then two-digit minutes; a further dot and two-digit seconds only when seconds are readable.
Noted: 9.28
